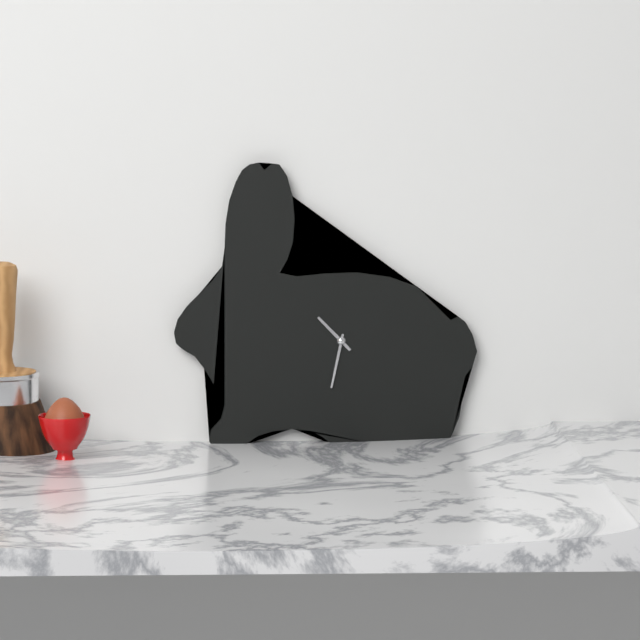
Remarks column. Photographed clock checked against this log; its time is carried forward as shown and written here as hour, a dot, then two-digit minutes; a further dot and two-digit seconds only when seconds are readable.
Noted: 10.32
